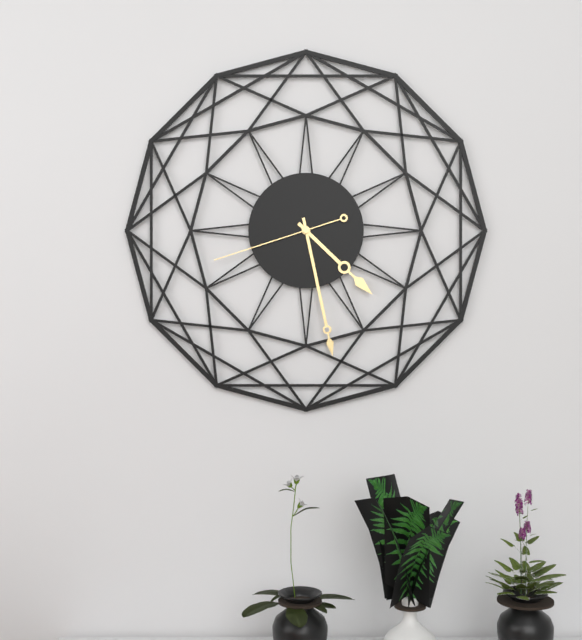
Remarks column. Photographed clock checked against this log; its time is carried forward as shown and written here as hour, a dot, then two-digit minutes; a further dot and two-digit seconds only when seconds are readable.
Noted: 4.28.42
